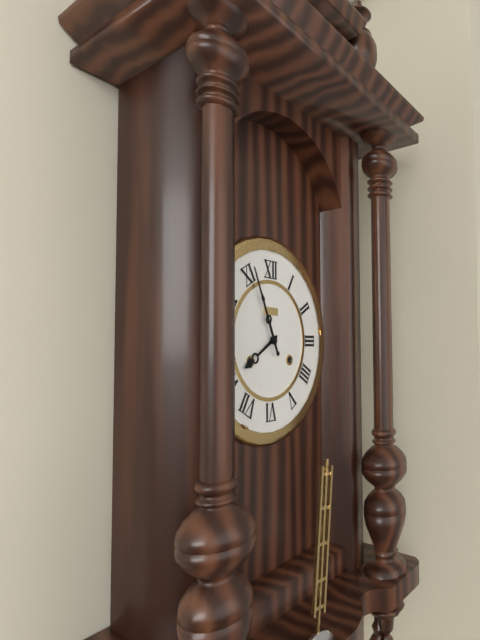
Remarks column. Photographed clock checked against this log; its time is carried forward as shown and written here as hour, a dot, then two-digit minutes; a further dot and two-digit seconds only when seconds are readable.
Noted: 7.56
